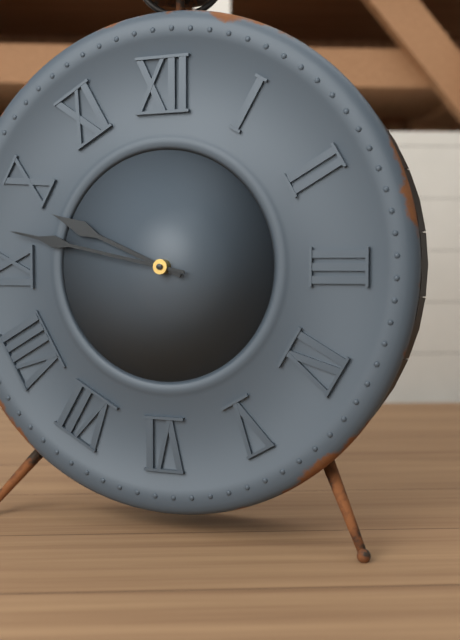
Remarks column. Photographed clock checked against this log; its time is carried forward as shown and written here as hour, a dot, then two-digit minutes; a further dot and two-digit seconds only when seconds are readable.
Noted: 9.47
